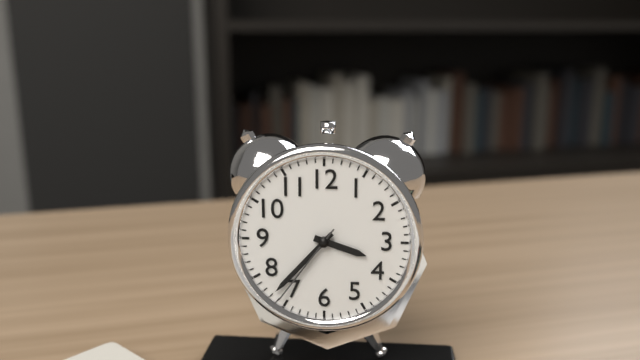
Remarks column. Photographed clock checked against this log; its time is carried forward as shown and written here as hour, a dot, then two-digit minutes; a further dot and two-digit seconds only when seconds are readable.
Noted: 3.37.36
